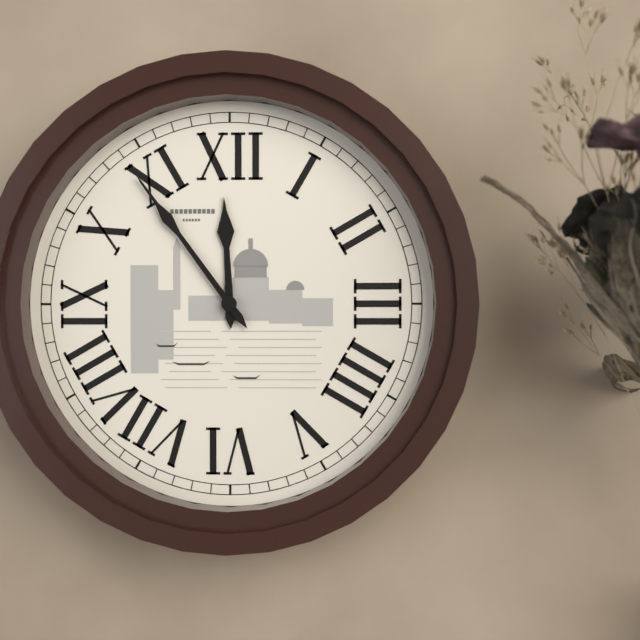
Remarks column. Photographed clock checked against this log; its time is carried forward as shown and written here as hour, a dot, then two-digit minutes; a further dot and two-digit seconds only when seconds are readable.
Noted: 11.54
